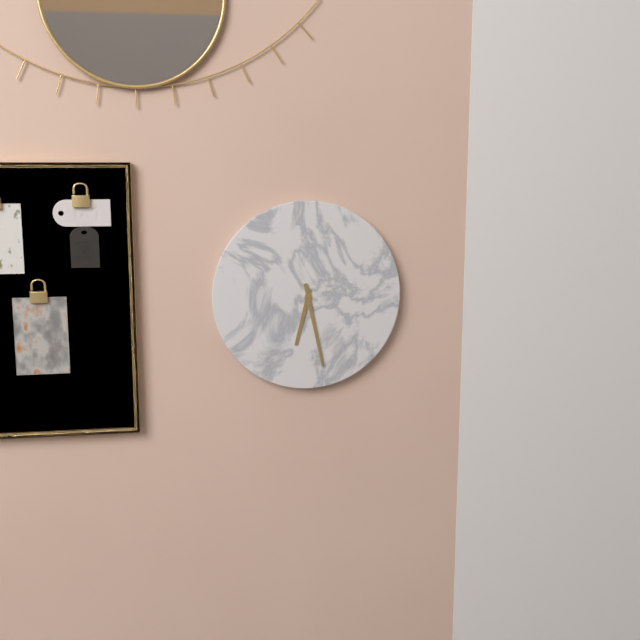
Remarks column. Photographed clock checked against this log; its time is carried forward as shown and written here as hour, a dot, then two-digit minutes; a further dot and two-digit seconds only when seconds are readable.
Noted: 6.28
